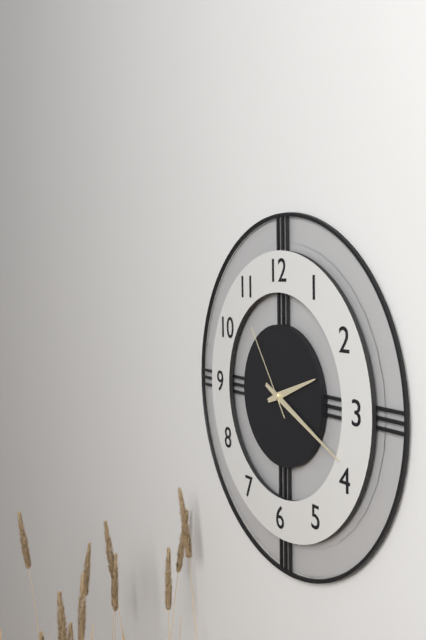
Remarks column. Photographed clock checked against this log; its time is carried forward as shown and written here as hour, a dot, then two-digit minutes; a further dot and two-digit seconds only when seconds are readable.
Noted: 2.19.54
